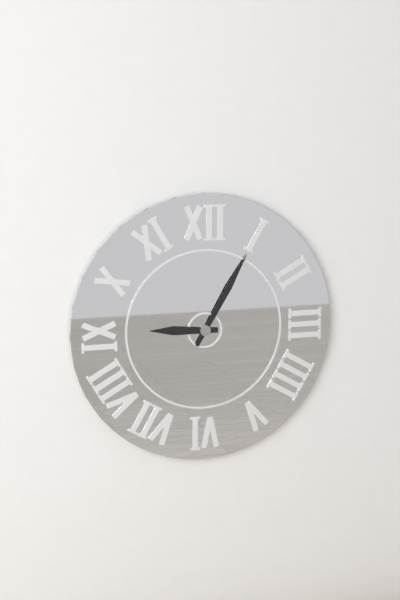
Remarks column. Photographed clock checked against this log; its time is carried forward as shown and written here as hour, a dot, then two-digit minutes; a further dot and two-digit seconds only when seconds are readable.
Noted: 9.05
